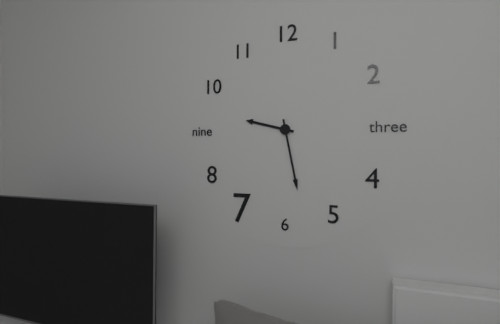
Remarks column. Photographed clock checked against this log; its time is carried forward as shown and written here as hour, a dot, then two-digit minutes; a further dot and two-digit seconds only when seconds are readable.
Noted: 9.28
